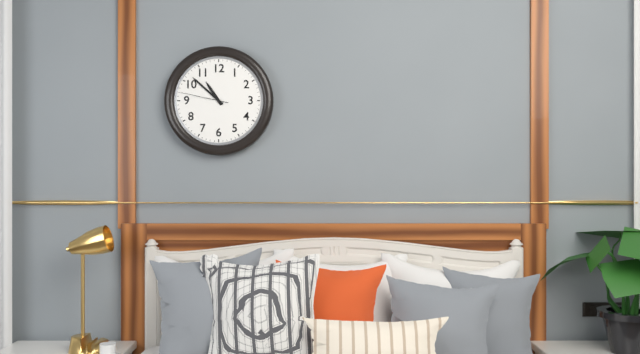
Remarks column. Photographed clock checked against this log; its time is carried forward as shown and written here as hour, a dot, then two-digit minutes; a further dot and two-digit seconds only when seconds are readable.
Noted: 10.52.47
